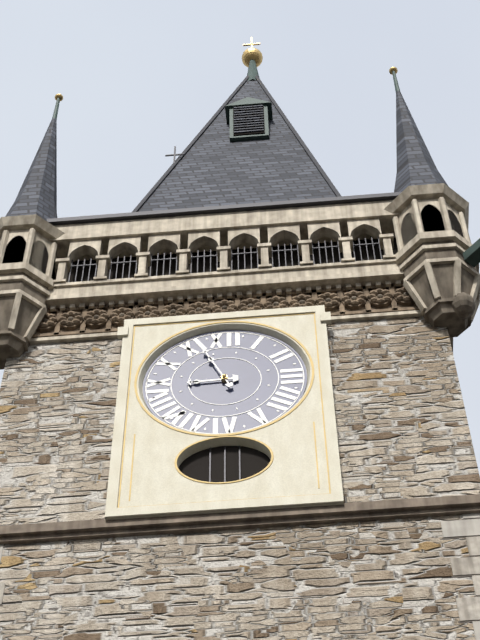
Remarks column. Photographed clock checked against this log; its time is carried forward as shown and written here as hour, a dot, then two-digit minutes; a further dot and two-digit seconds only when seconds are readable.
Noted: 8.56
